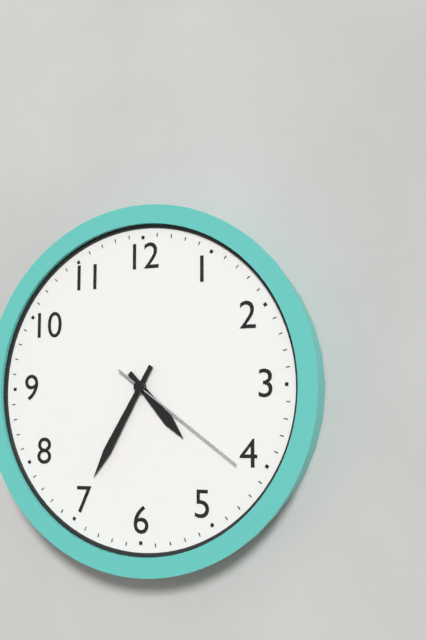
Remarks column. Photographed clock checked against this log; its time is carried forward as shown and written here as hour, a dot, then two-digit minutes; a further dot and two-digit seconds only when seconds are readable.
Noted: 4.35.21
